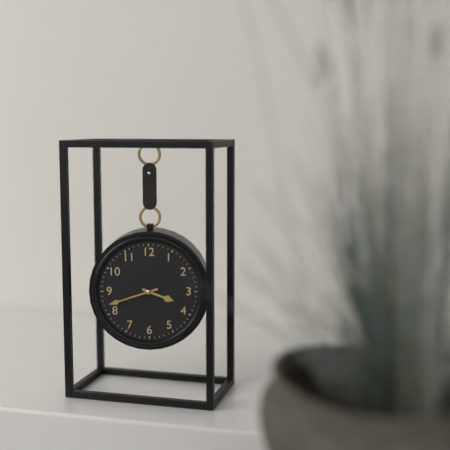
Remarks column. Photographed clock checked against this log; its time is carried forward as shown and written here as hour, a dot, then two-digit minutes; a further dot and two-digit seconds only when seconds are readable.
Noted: 3.42
